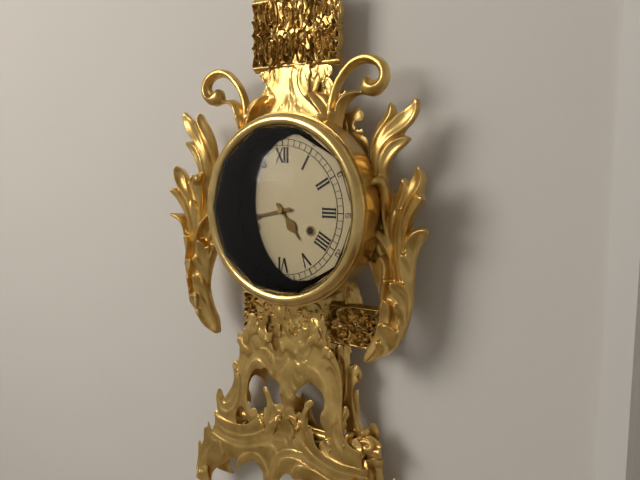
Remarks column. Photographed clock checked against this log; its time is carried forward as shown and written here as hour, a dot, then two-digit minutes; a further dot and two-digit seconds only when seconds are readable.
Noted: 4.43
